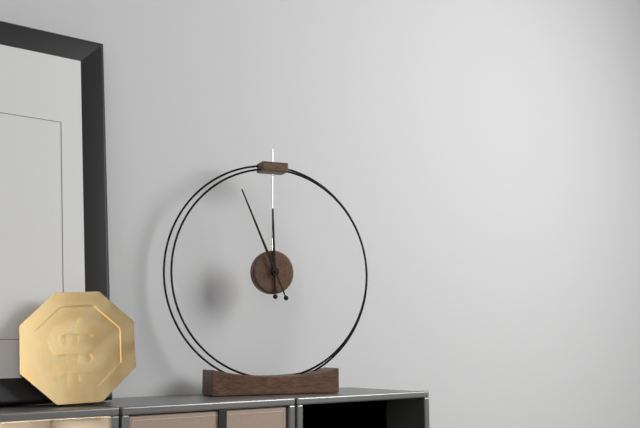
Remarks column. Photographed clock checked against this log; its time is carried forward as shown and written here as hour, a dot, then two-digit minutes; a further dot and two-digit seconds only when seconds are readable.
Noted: 11.56
